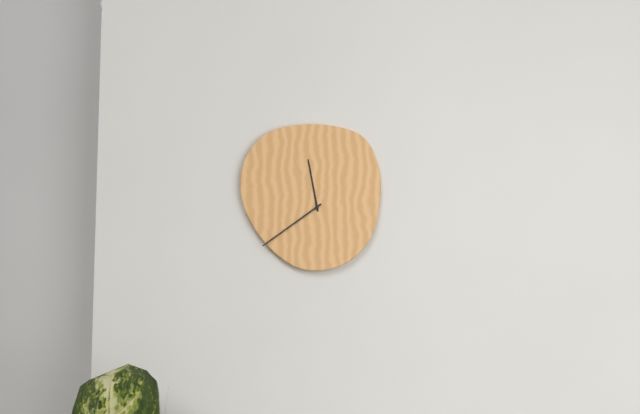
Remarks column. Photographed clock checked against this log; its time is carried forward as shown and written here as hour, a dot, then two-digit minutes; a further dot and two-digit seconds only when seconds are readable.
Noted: 11.39
